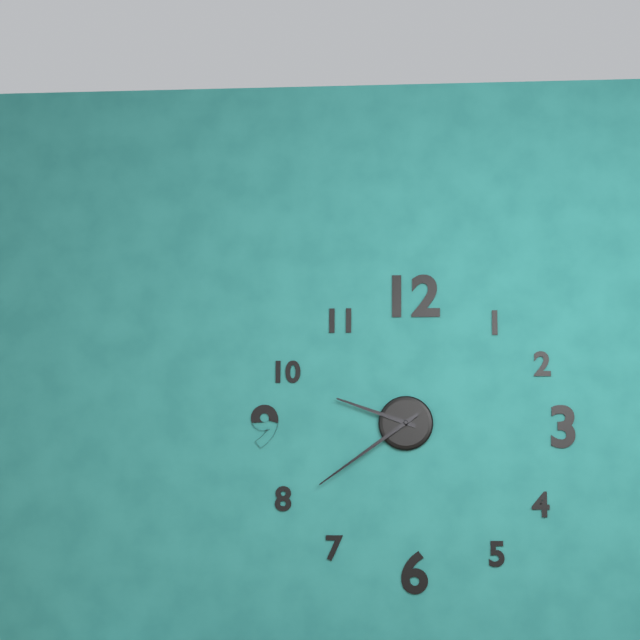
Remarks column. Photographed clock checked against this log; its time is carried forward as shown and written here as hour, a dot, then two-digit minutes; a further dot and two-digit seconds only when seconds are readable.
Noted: 9.39
